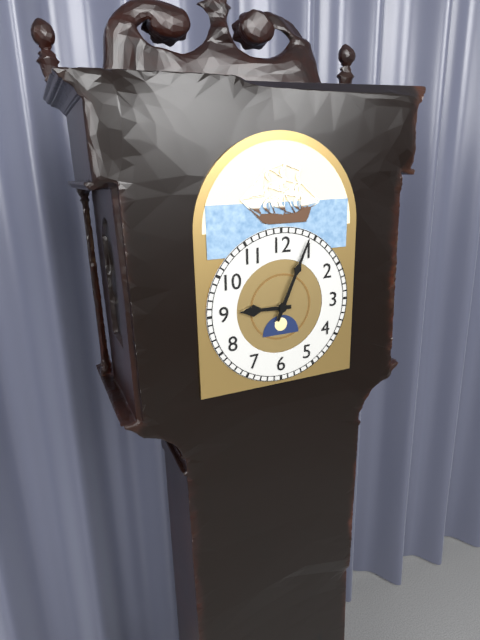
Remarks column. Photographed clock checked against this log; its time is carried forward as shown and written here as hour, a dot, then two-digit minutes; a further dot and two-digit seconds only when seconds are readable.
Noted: 9.04
